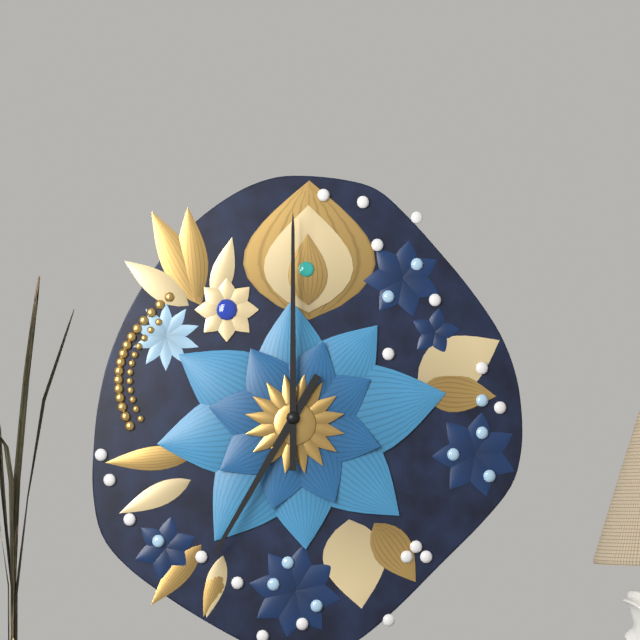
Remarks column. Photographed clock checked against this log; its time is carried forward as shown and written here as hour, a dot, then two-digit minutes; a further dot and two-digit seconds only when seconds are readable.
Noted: 7.00
